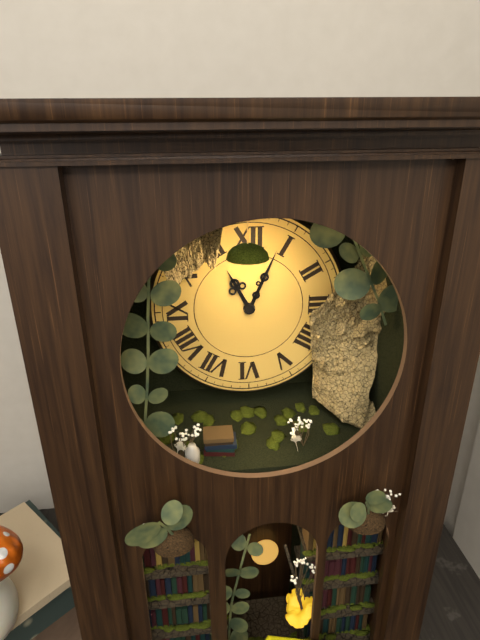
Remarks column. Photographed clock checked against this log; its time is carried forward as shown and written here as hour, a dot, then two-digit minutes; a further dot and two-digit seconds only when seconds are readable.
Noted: 11.04
